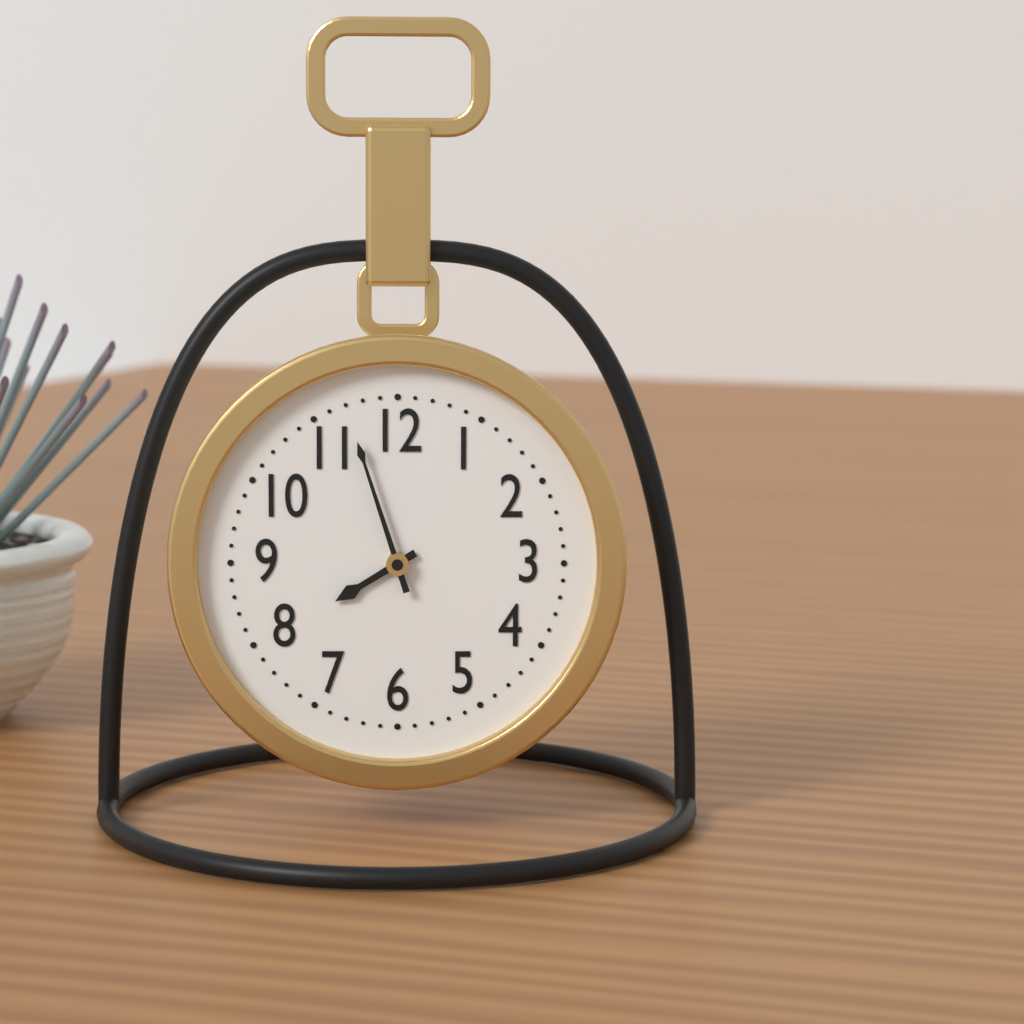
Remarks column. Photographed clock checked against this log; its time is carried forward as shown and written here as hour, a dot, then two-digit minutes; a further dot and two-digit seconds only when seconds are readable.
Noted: 7.57
